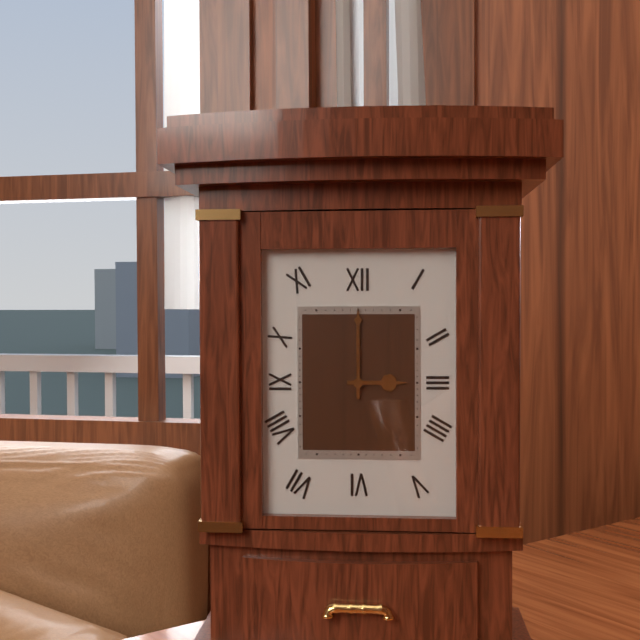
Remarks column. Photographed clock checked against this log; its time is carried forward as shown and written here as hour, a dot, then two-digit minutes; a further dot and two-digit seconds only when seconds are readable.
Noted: 3.00
